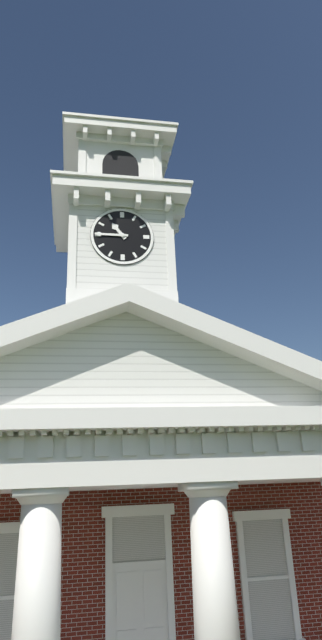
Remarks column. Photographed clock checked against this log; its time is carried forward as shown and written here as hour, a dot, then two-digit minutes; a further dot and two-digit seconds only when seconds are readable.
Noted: 10.45
